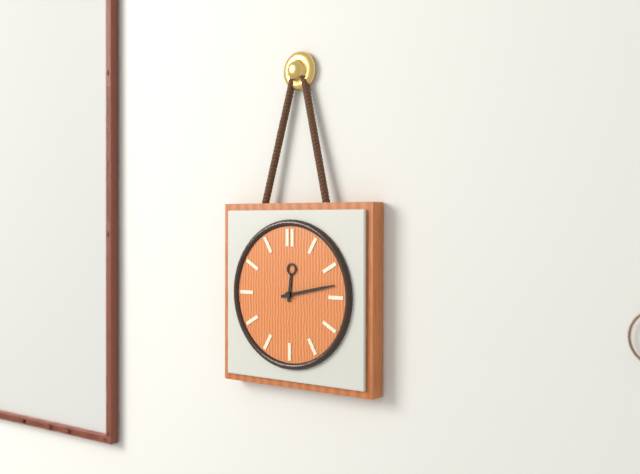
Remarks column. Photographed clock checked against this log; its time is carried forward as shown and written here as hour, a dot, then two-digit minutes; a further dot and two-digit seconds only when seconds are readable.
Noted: 12.13
